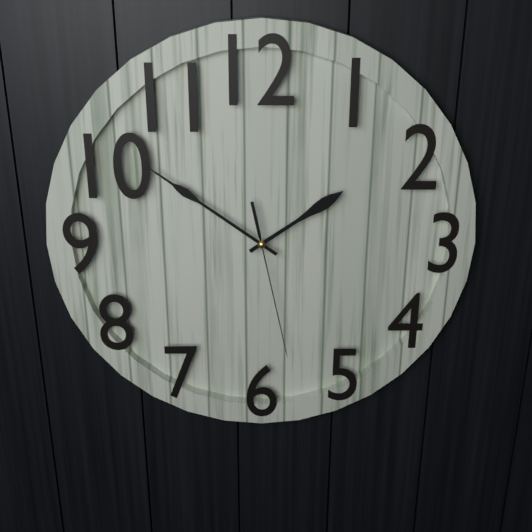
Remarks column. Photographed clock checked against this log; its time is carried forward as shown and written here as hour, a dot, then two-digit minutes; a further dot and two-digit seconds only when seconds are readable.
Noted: 1.51.28
